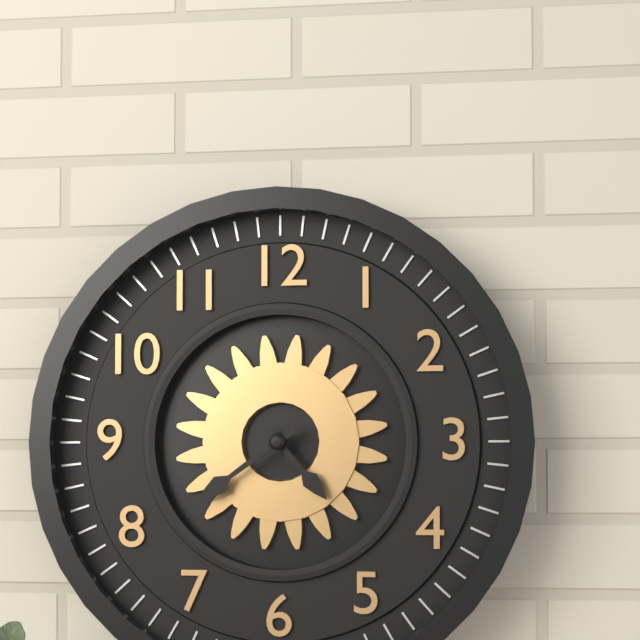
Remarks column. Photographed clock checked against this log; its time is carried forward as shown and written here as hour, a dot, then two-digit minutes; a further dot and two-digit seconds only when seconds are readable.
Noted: 4.39
